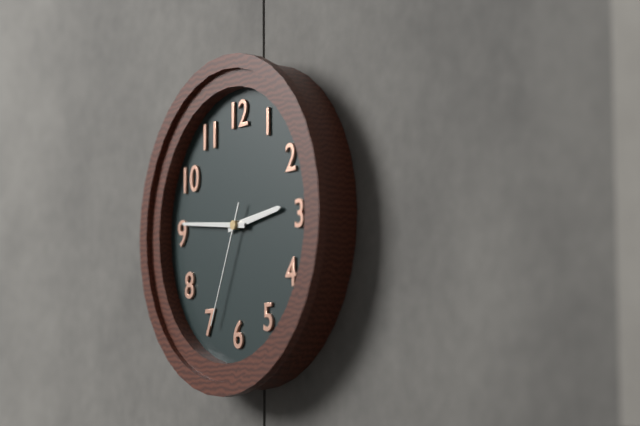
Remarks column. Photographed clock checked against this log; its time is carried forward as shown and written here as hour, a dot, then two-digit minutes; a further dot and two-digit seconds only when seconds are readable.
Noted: 2.46.34
